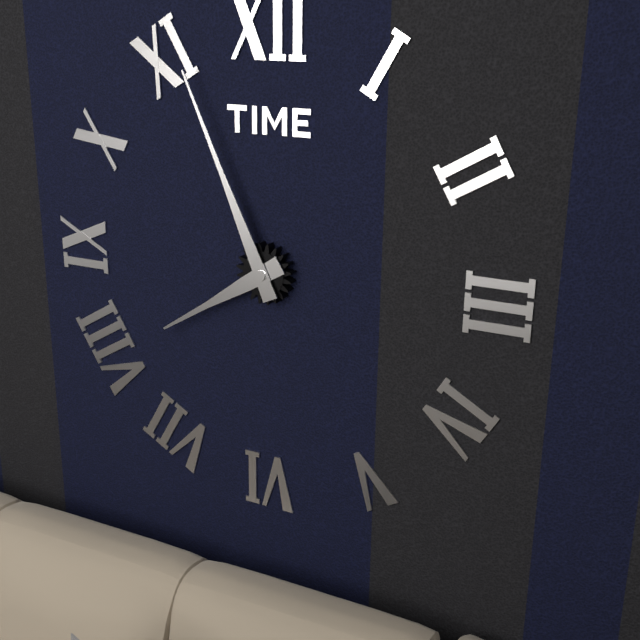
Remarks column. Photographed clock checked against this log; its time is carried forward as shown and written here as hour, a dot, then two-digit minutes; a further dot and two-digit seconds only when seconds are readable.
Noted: 7.56
